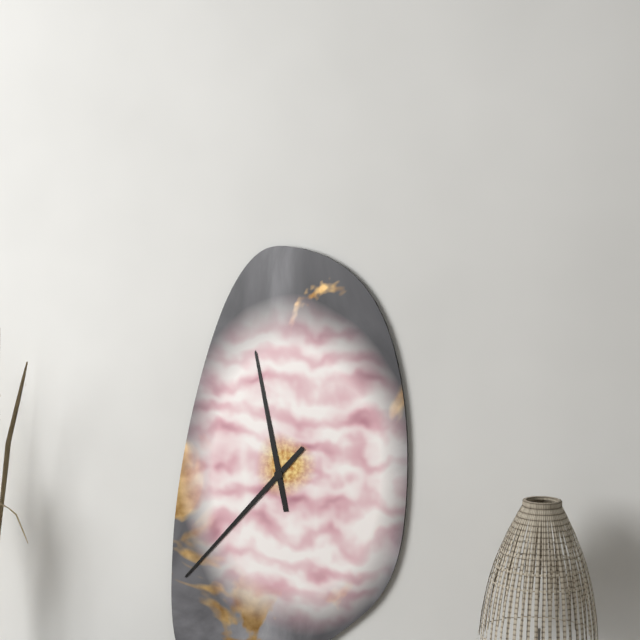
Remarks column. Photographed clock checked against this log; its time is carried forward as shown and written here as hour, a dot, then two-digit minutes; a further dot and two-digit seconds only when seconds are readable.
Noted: 11.37
